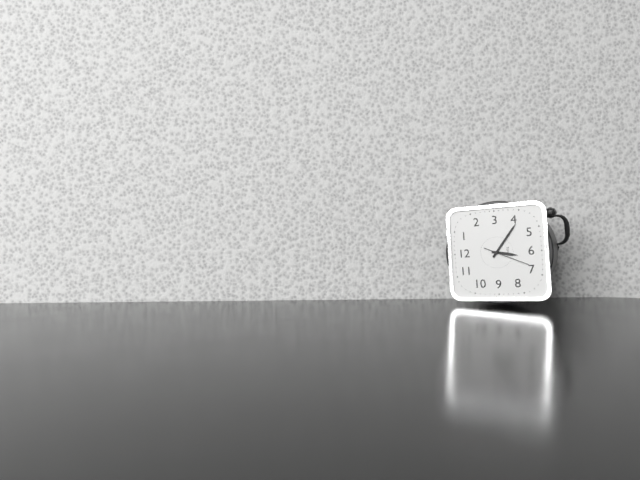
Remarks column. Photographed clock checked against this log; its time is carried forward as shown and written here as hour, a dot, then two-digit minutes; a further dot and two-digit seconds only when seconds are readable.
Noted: 6.21
